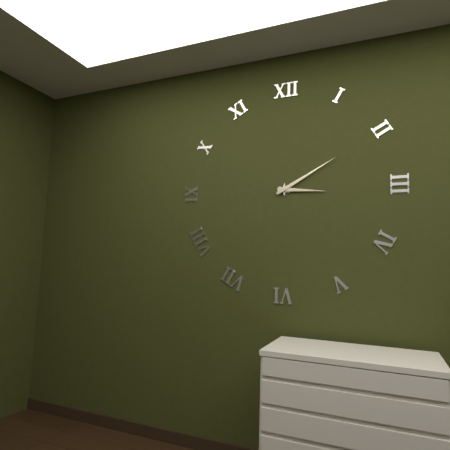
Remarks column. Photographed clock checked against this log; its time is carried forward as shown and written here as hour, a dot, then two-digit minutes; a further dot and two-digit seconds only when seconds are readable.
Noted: 3.10
